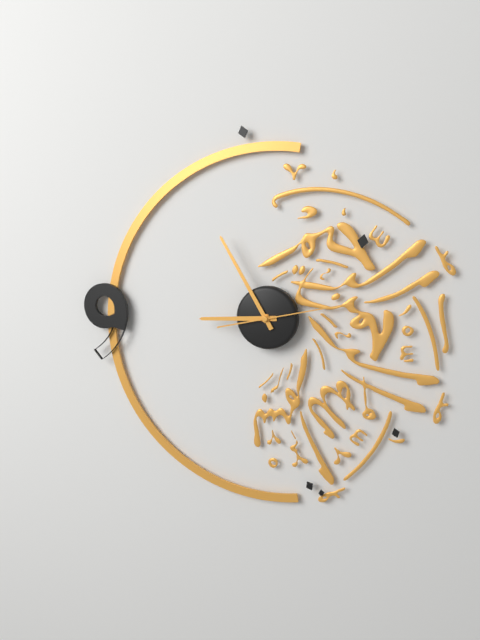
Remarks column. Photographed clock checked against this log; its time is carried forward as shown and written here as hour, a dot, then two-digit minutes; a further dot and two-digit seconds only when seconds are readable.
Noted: 8.55.13
